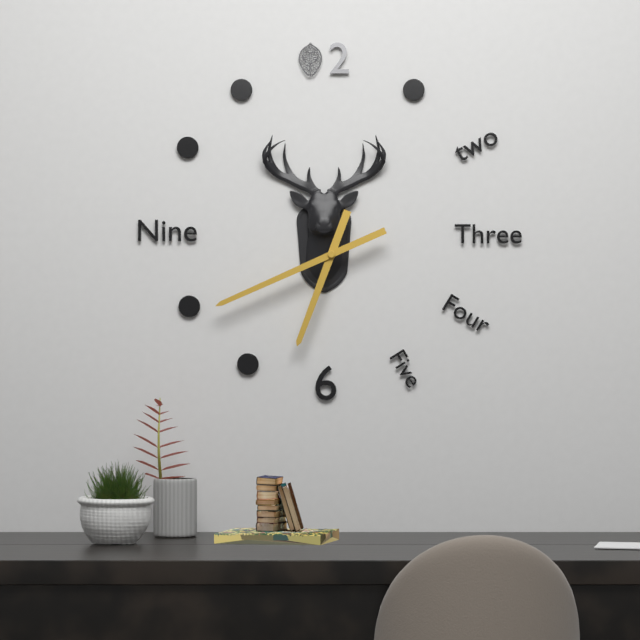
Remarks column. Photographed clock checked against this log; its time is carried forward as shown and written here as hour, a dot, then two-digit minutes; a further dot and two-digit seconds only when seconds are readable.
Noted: 6.41
